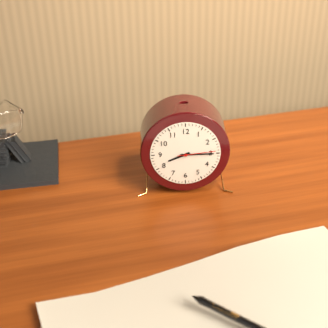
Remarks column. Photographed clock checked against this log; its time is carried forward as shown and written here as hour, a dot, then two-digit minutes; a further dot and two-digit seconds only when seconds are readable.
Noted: 8.15
